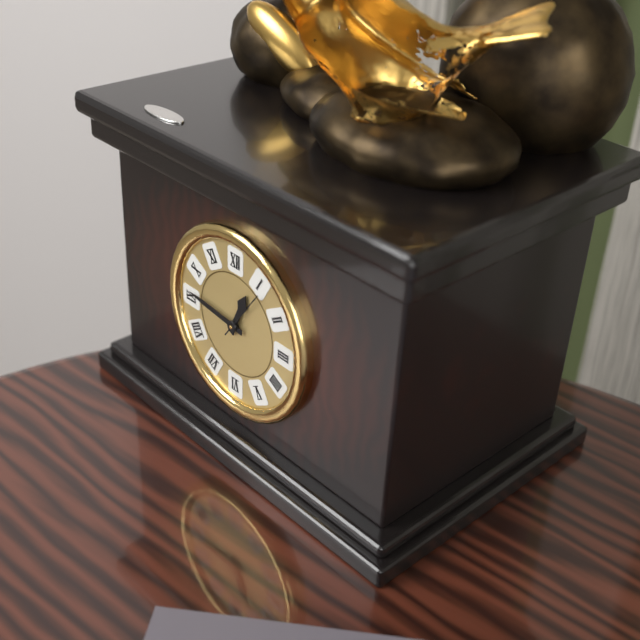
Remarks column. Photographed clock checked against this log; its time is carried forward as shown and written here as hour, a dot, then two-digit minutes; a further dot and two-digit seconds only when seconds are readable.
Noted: 12.46
